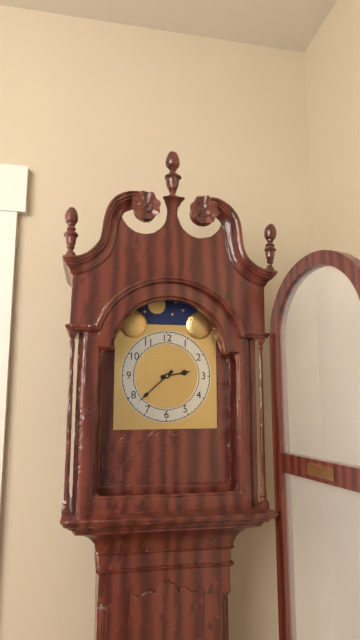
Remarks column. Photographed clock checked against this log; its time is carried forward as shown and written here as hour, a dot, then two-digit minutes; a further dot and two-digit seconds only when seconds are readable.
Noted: 2.38
